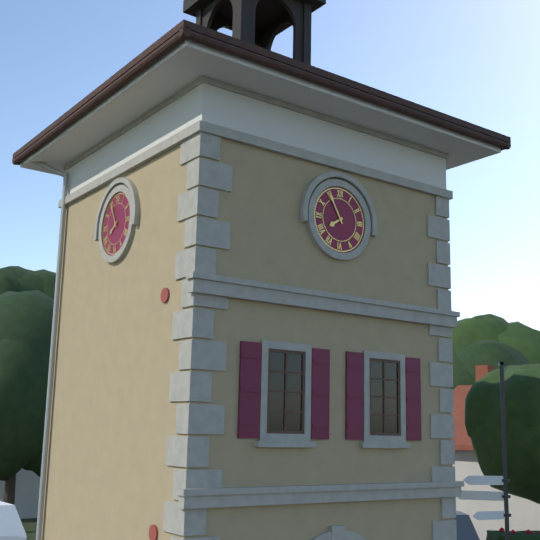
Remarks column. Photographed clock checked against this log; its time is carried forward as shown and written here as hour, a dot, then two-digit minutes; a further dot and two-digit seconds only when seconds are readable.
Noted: 7.55
